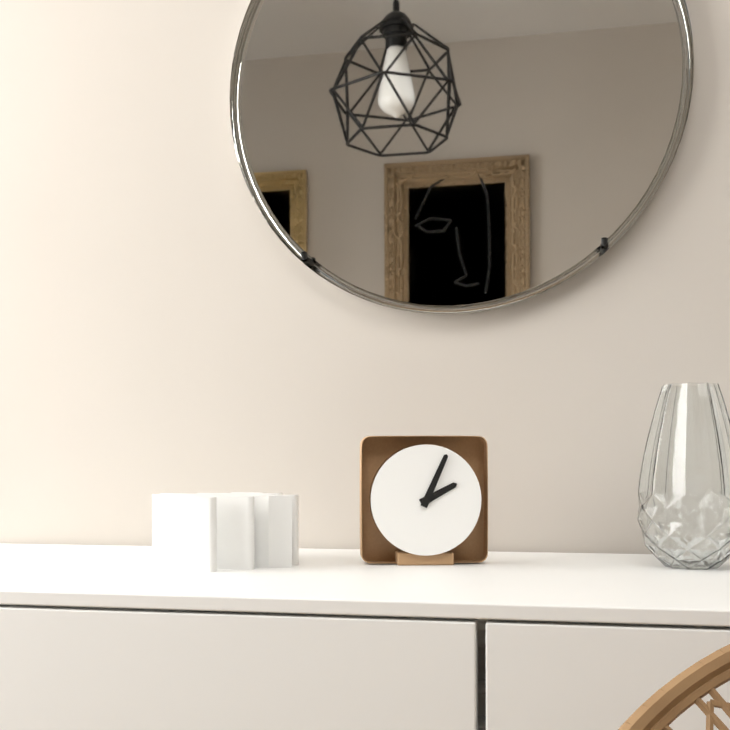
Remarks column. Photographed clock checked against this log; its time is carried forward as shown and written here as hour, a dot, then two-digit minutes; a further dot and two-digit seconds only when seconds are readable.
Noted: 2.04
